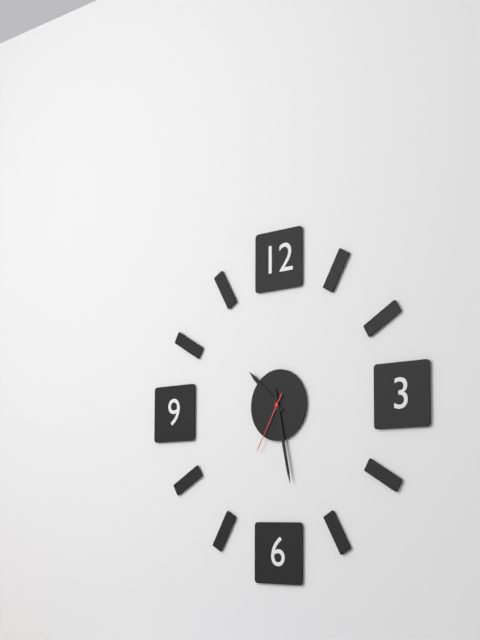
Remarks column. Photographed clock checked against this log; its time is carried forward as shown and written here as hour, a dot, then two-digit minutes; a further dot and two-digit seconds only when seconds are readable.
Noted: 10.28.35
